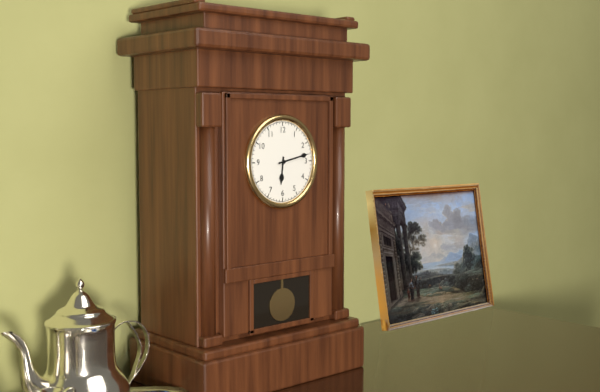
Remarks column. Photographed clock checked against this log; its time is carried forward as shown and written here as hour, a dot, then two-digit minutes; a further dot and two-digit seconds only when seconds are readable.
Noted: 6.13
